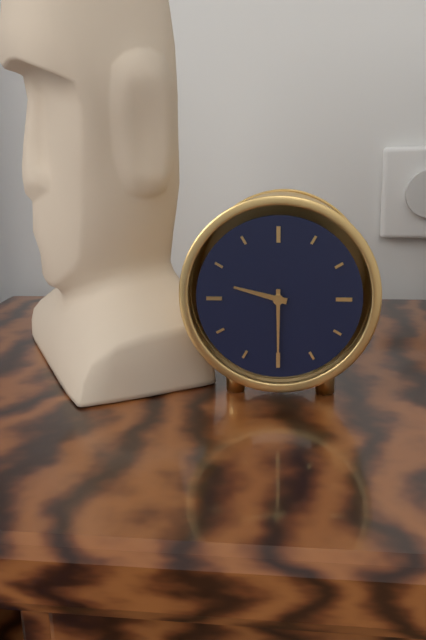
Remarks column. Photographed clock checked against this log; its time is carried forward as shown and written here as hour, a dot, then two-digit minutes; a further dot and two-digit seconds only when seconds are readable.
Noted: 9.30
